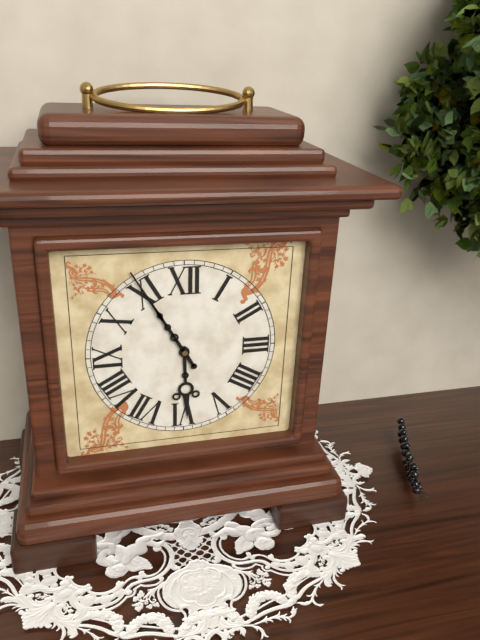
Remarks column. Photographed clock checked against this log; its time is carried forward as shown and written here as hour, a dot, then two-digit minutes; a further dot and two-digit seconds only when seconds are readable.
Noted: 5.55
